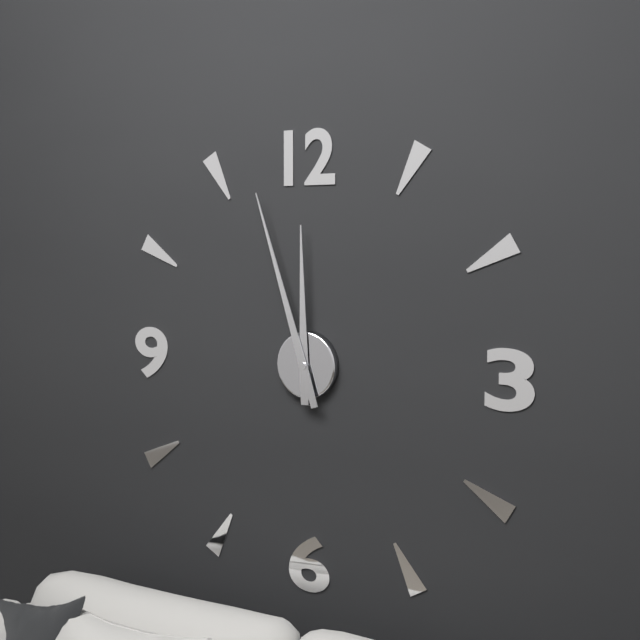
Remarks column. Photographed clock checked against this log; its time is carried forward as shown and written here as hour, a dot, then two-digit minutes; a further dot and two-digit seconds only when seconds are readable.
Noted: 11.57
